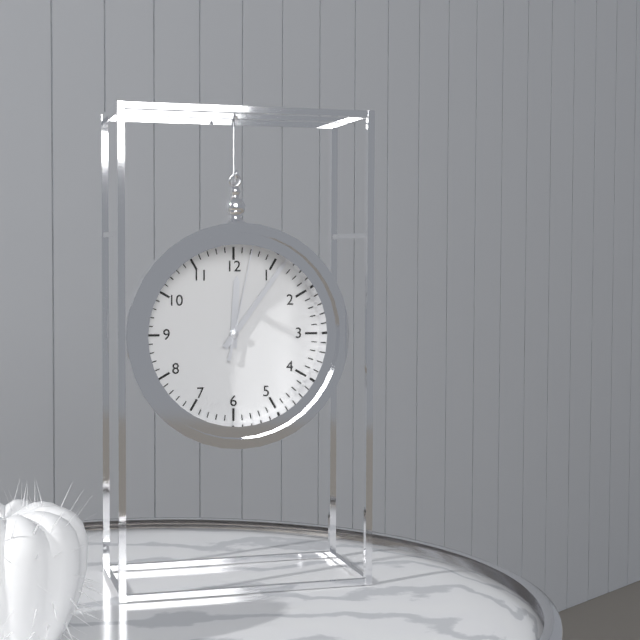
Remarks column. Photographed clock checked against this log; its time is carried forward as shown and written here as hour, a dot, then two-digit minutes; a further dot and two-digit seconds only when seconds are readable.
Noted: 12.06.02
